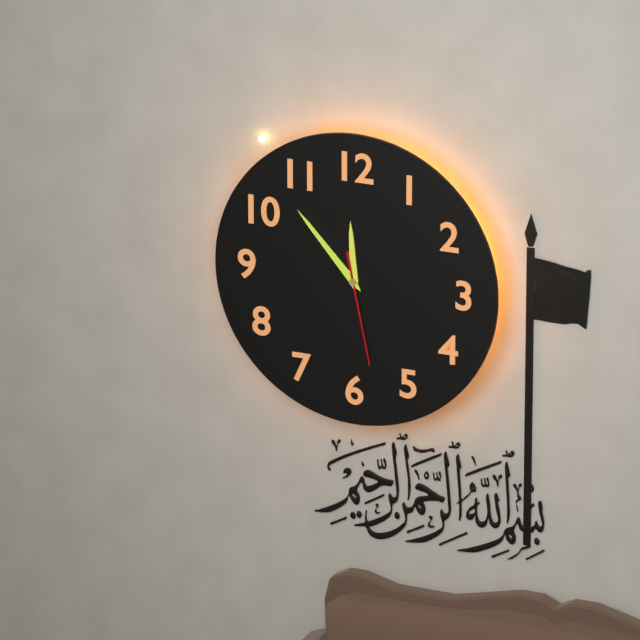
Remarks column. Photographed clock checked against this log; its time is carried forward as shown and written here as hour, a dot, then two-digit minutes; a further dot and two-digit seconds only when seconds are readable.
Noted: 11.53.28
